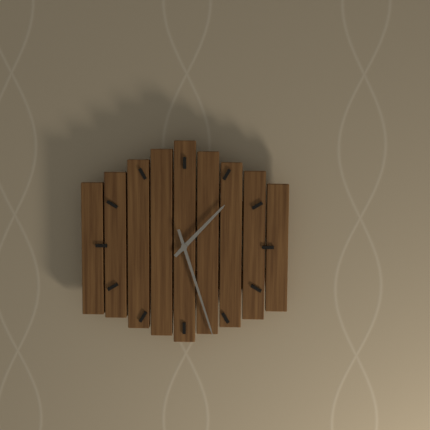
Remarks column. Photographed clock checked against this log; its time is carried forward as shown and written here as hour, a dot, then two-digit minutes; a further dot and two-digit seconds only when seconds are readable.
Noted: 1.27
